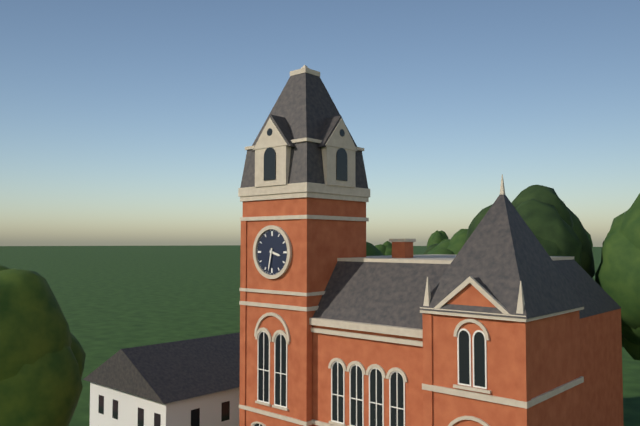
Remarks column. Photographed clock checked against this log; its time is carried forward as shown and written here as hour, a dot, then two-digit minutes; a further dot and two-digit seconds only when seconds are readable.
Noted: 3.32
